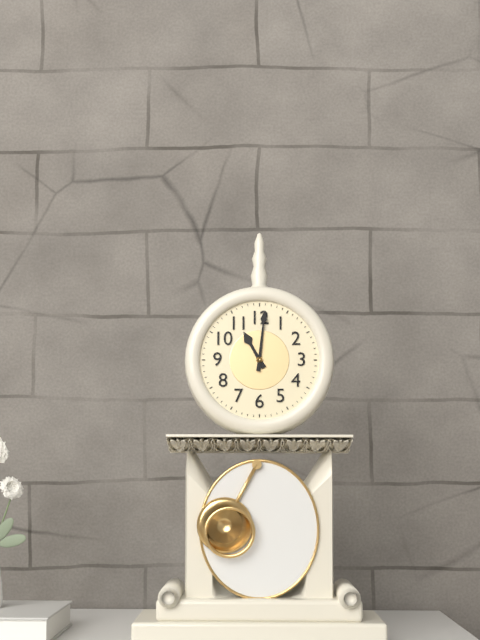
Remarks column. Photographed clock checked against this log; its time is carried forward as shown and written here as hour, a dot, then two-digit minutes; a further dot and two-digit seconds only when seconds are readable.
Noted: 11.01
